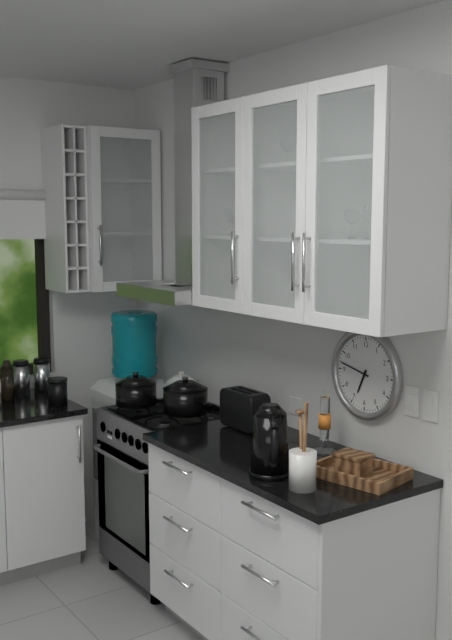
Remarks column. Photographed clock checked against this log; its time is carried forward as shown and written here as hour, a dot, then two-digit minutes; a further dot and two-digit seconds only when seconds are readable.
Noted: 6.47
